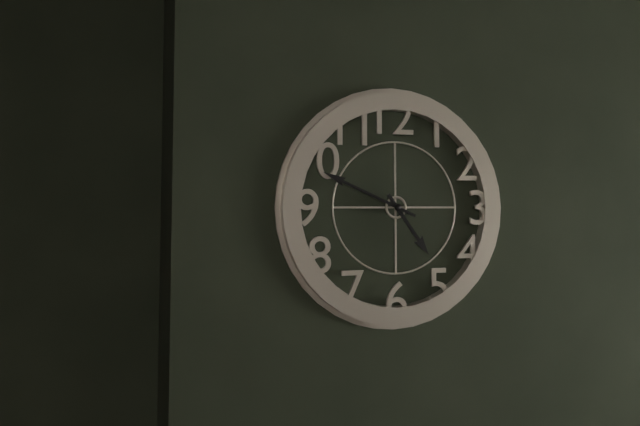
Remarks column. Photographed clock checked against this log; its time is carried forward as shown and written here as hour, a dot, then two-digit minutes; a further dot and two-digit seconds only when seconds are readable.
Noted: 4.49
